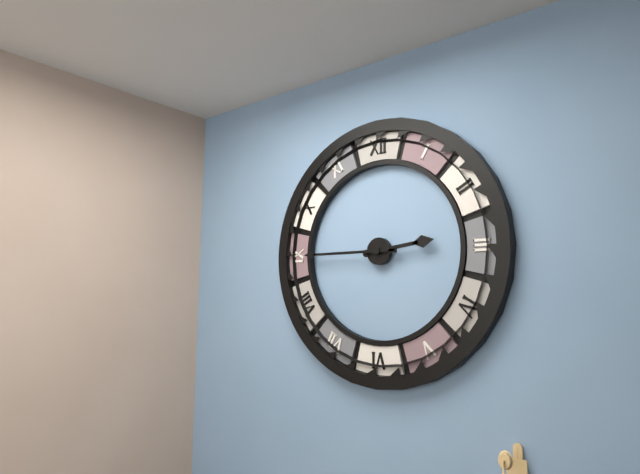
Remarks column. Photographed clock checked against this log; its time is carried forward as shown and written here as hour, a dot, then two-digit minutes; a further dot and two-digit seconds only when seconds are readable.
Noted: 2.45
